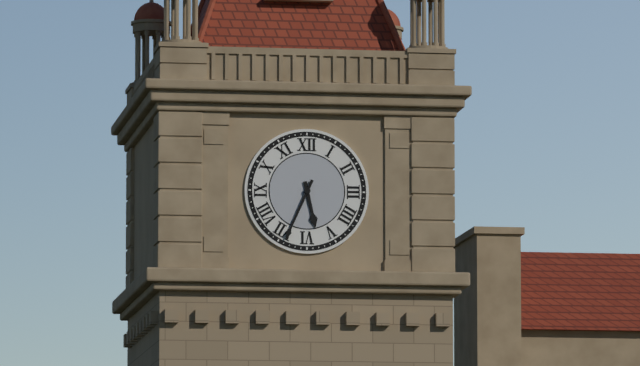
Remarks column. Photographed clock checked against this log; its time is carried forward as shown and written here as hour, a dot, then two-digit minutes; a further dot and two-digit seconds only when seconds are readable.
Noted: 5.34
